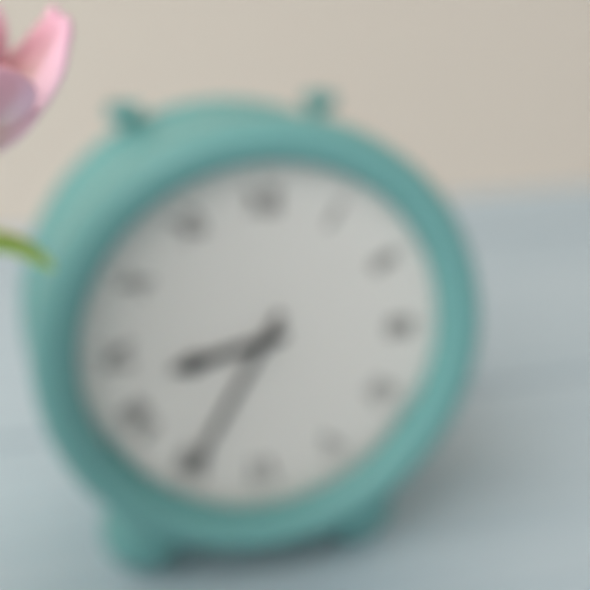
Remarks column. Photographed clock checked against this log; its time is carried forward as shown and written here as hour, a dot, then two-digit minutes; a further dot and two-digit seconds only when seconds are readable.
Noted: 8.35
